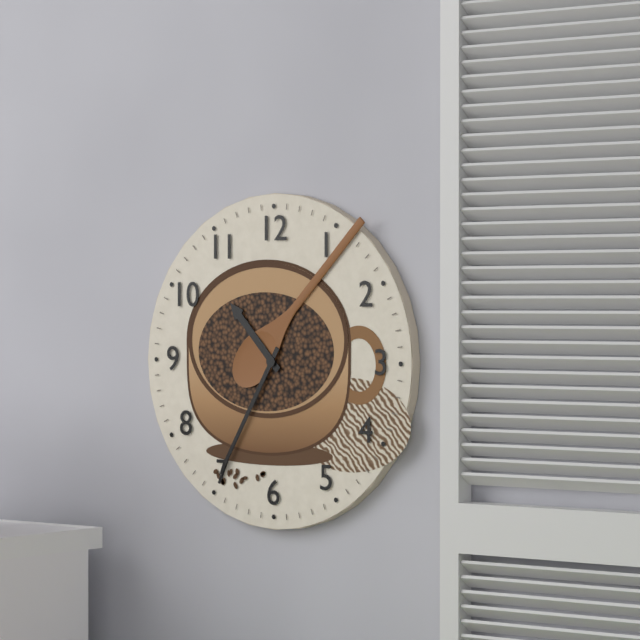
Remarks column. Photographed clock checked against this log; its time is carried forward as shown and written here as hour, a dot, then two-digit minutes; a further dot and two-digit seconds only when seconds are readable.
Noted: 10.35
